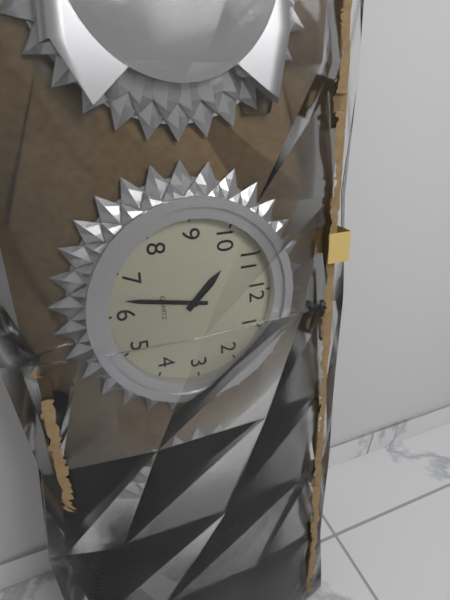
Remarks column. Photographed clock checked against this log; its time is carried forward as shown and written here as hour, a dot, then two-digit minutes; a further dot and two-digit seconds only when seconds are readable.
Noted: 10.32
